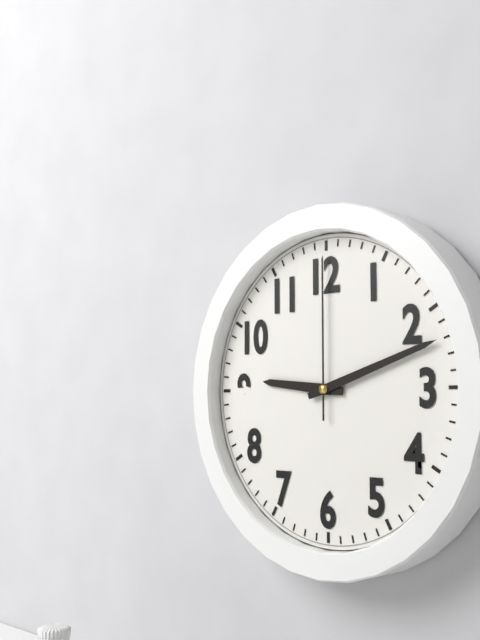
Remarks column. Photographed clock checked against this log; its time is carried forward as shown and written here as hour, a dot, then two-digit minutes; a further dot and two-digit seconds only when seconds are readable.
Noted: 9.12.00
